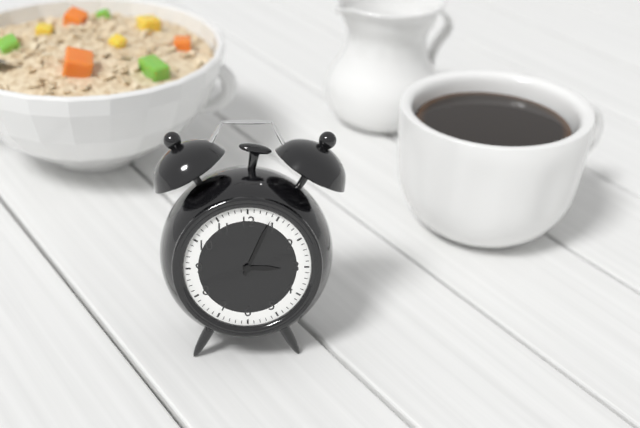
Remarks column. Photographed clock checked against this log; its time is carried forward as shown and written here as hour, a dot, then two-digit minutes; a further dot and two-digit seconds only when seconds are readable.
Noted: 3.04
